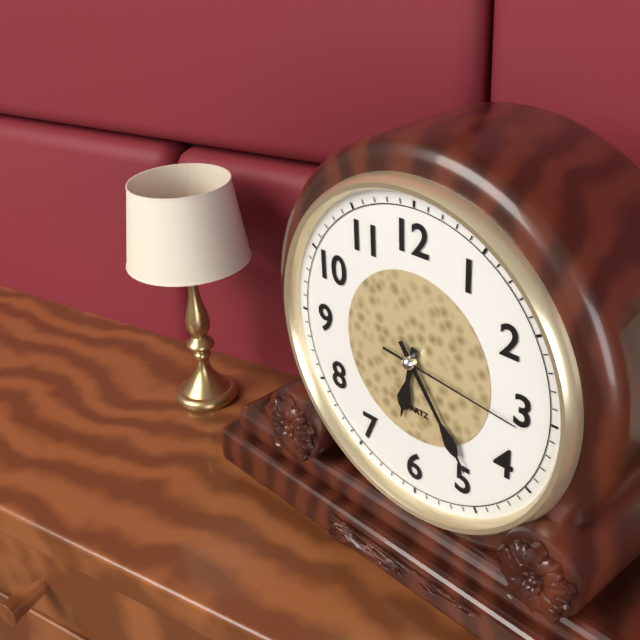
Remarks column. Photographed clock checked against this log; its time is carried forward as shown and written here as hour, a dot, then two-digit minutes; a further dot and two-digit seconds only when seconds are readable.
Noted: 6.24.16
